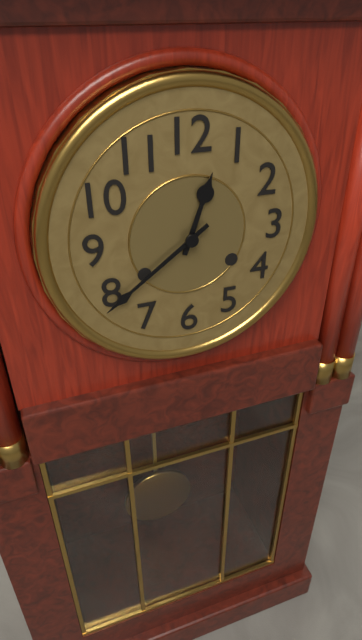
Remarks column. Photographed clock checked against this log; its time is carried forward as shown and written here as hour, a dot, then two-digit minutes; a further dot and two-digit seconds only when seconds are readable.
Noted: 12.39
